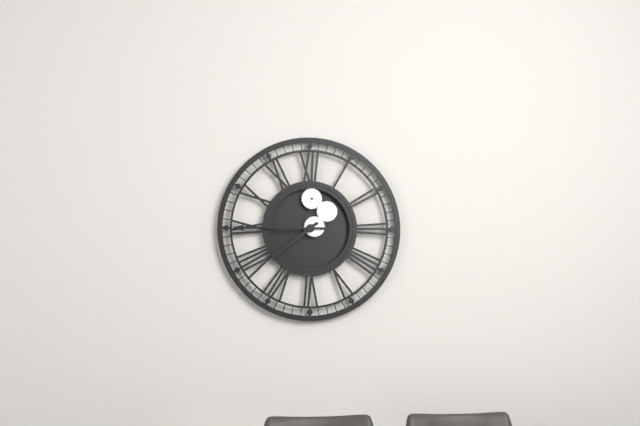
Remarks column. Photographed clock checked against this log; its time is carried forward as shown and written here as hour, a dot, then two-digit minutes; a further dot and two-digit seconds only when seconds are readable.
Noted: 7.45
